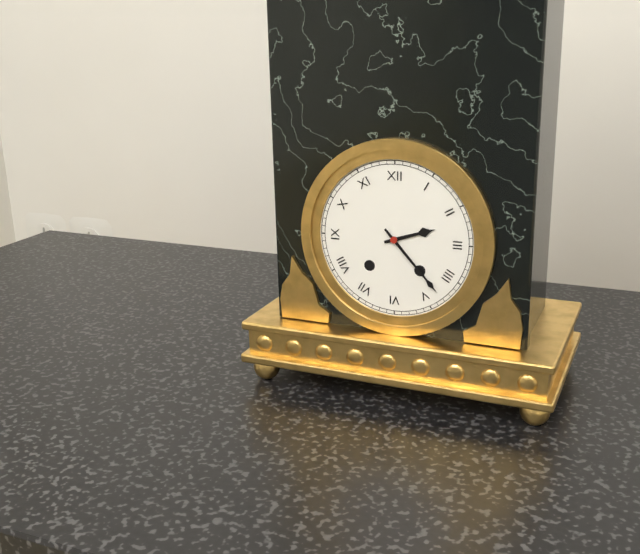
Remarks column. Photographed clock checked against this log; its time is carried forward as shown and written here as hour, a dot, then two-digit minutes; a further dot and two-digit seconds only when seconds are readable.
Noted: 2.23
